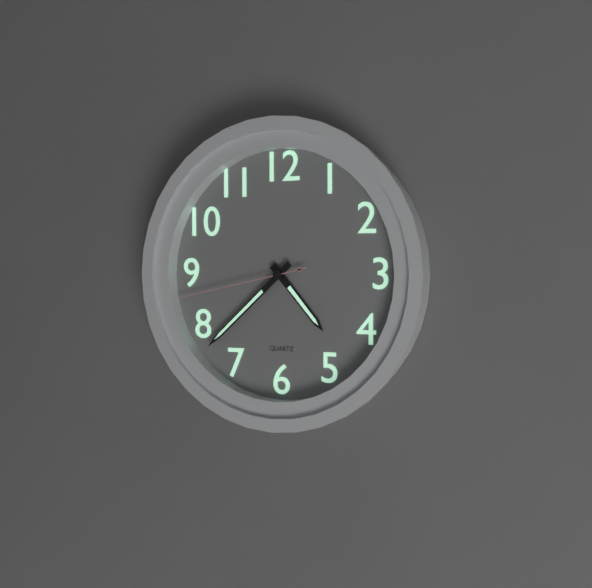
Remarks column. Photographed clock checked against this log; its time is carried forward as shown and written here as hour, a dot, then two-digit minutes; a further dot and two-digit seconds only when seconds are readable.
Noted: 4.38.43
